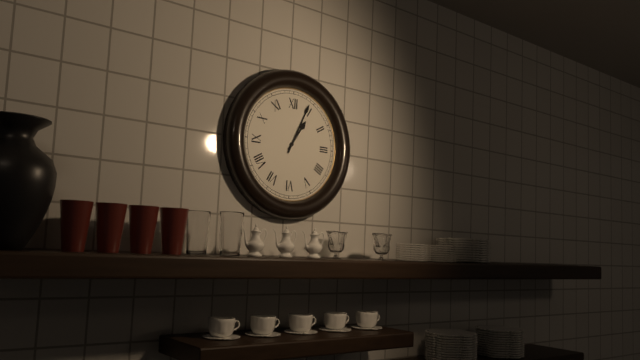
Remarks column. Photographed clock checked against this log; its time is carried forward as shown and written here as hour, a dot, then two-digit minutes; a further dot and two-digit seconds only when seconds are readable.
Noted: 1.04
